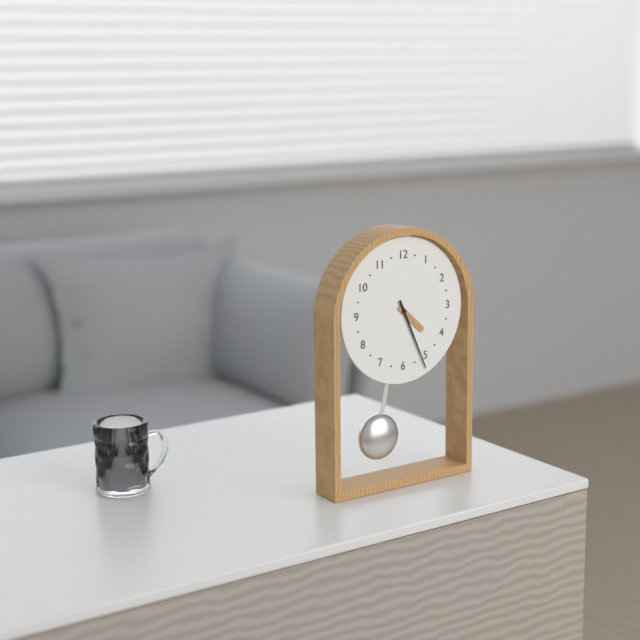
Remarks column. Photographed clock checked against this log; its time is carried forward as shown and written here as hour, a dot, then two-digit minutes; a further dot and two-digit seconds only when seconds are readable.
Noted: 4.26
